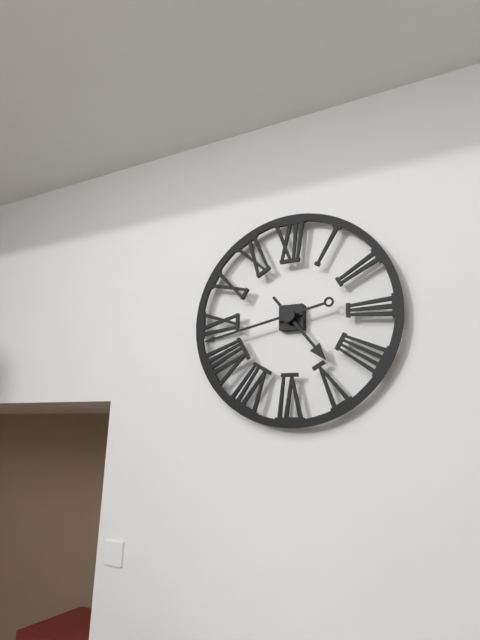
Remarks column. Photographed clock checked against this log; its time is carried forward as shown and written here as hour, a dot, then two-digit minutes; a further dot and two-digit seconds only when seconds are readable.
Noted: 4.43
